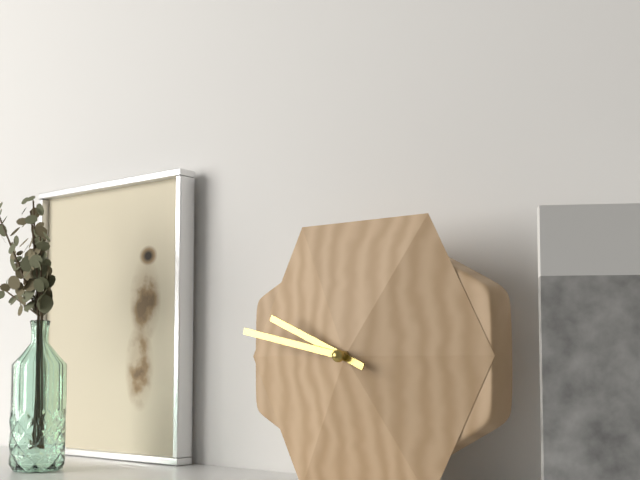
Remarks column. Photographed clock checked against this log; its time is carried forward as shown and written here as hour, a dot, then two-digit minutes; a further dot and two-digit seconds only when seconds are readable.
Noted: 9.47
